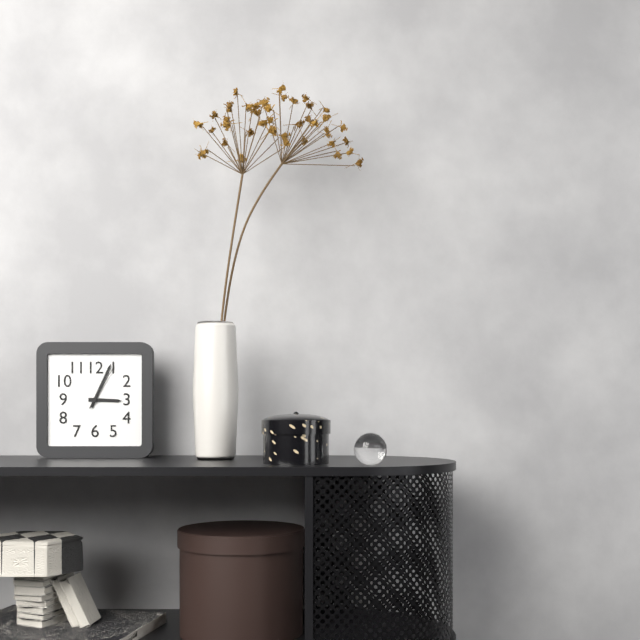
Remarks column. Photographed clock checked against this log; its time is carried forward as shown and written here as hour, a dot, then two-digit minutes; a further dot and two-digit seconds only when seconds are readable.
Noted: 3.04
